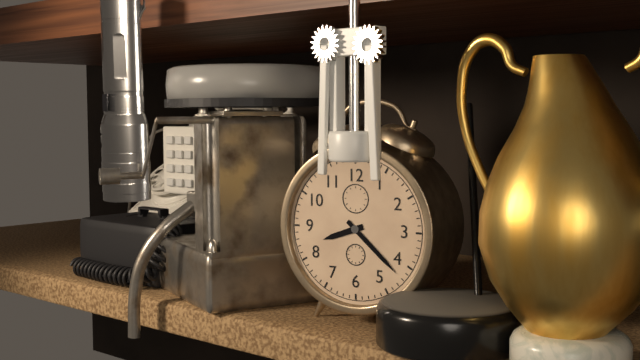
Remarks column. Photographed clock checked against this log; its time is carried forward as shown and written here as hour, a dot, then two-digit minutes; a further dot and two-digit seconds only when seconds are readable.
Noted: 8.22
